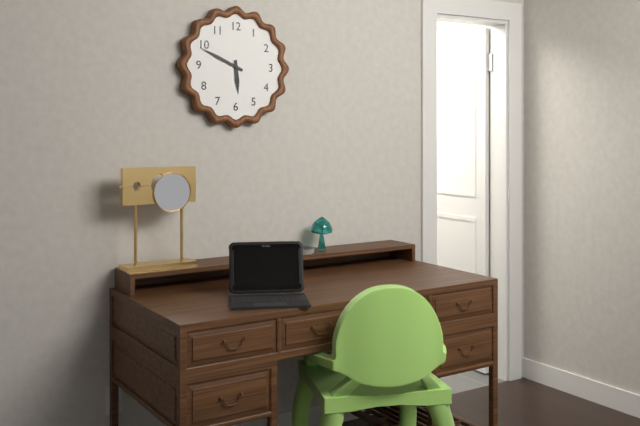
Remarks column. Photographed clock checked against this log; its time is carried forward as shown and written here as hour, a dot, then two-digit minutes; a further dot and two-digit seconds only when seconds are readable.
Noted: 5.49
